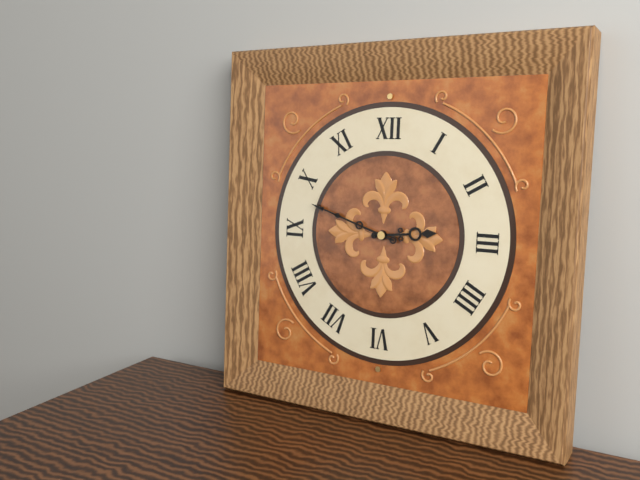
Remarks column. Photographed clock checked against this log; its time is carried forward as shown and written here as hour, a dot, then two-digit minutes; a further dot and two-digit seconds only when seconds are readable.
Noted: 2.48
